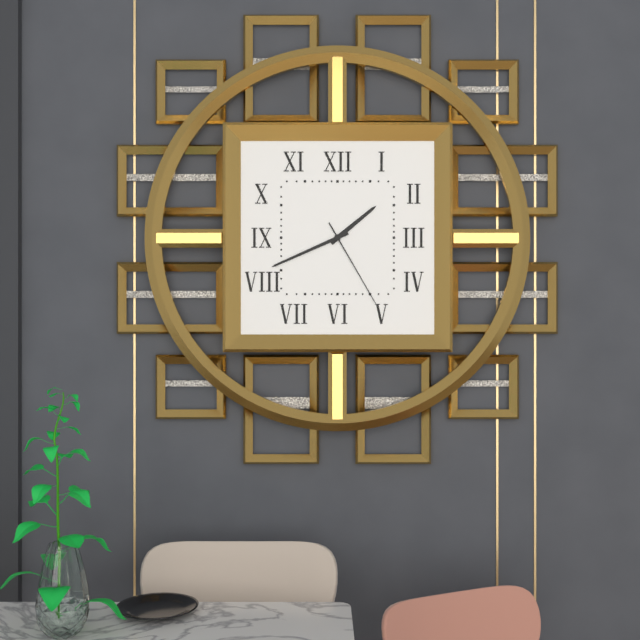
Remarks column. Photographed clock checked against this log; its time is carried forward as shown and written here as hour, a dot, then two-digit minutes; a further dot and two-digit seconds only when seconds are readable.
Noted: 1.41.25
